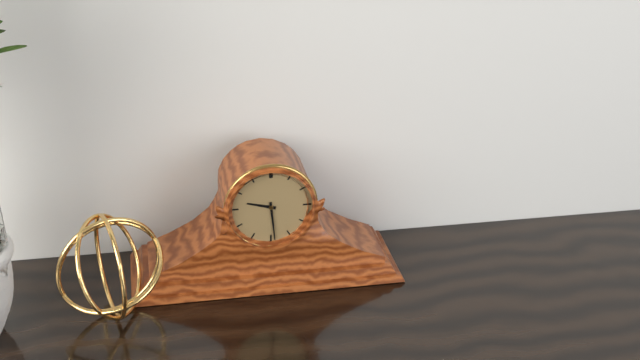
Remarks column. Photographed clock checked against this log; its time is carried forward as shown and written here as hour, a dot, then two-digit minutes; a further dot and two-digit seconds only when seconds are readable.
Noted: 9.29
